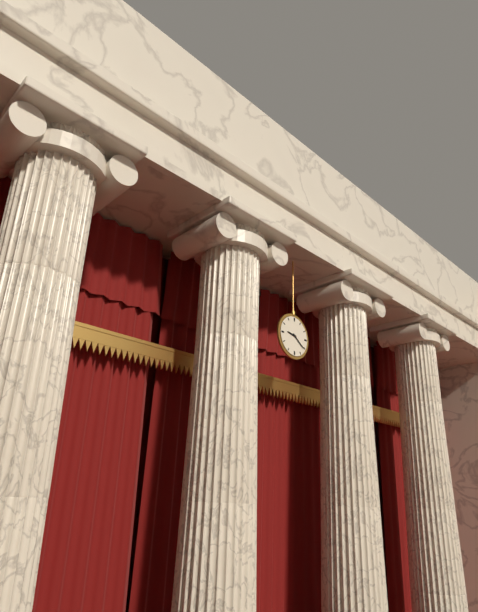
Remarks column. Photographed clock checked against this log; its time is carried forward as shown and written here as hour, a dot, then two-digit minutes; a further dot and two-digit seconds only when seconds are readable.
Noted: 9.21
